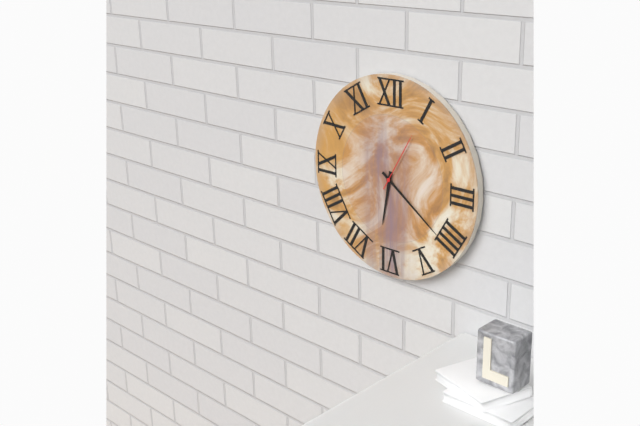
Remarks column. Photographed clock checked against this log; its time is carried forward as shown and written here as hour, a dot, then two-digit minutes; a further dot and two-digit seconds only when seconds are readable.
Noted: 6.21.05
